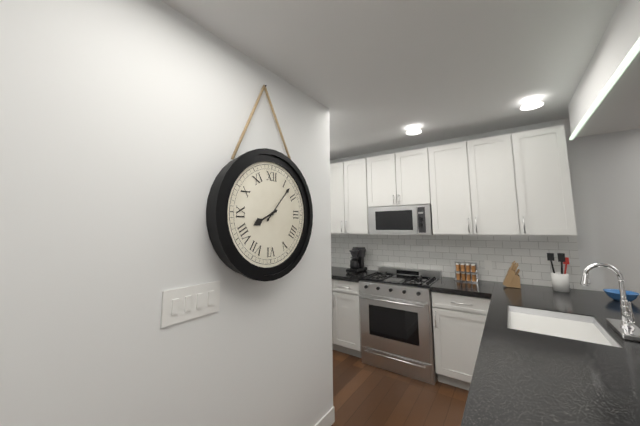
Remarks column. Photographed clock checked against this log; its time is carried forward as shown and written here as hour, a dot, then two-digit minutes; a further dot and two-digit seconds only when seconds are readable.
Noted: 8.07
